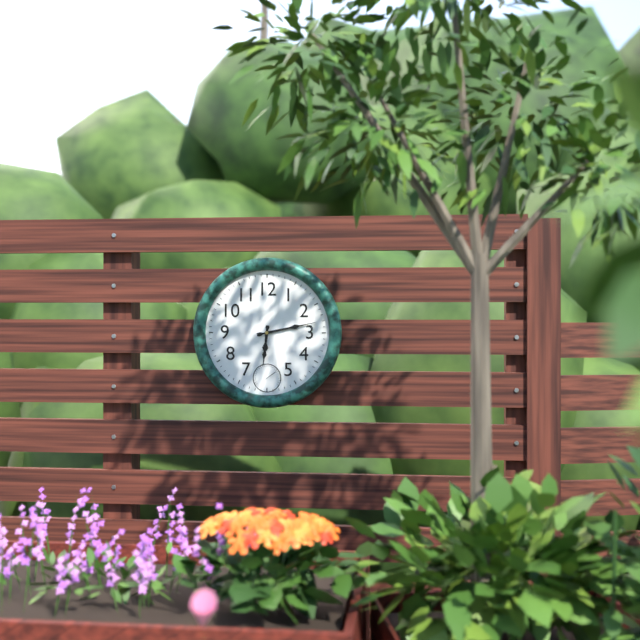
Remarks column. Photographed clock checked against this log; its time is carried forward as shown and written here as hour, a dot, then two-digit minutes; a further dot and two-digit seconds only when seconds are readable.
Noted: 6.13
